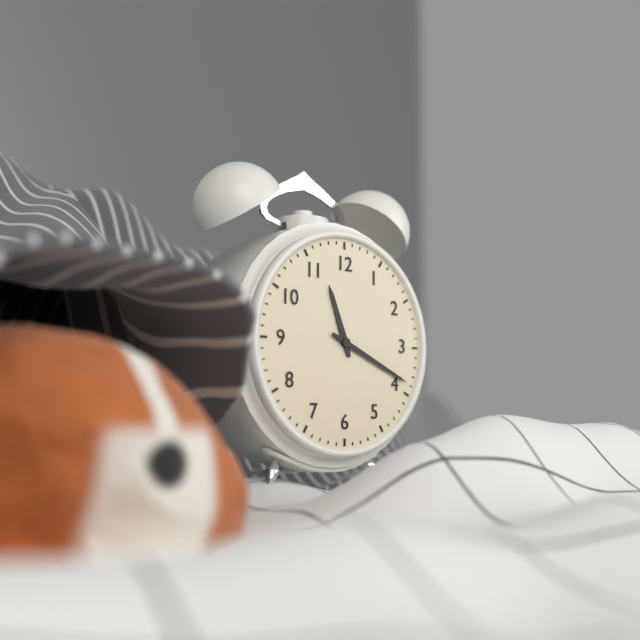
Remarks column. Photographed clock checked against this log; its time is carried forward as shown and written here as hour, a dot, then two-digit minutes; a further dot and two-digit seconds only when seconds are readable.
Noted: 11.19
